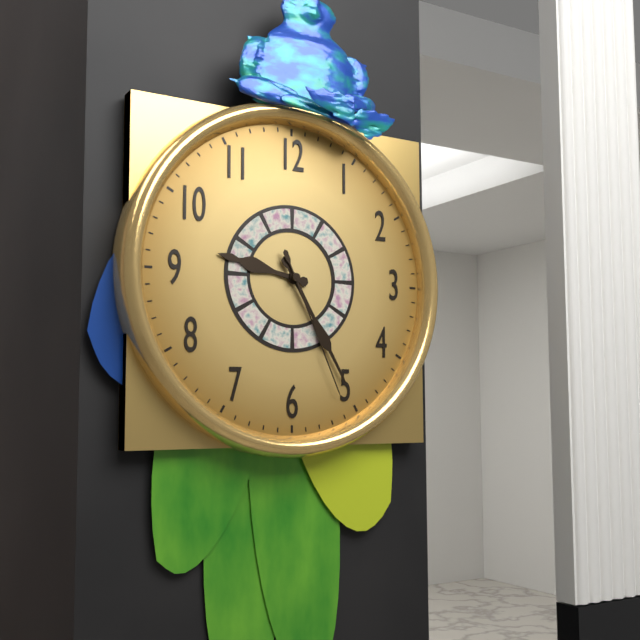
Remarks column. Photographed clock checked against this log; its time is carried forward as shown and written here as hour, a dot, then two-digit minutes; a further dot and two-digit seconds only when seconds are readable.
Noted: 9.25.26
